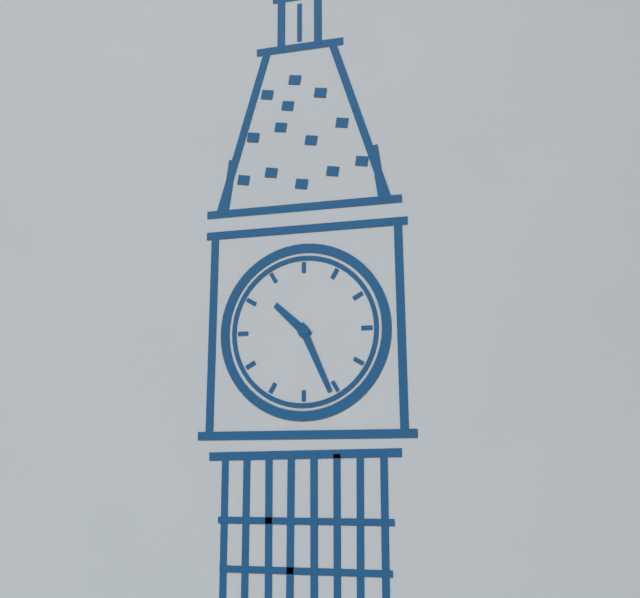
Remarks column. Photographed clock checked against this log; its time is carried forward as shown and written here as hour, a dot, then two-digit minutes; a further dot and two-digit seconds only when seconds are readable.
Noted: 10.26
